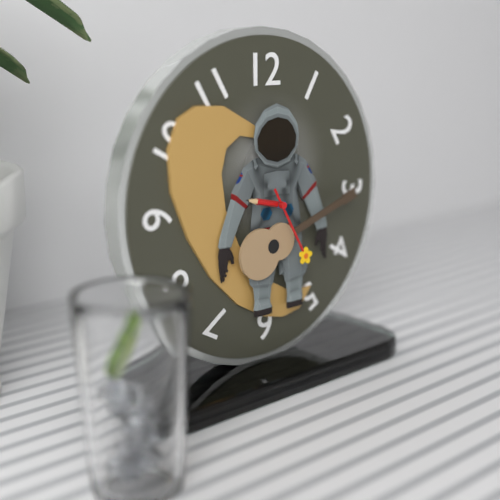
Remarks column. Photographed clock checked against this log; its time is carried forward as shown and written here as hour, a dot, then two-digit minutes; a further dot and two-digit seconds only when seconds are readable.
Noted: 9.25
